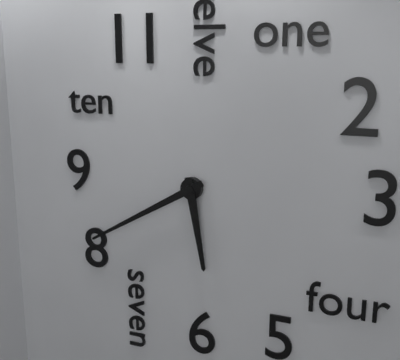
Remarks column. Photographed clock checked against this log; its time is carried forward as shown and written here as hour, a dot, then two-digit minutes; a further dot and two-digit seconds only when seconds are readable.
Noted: 5.40
